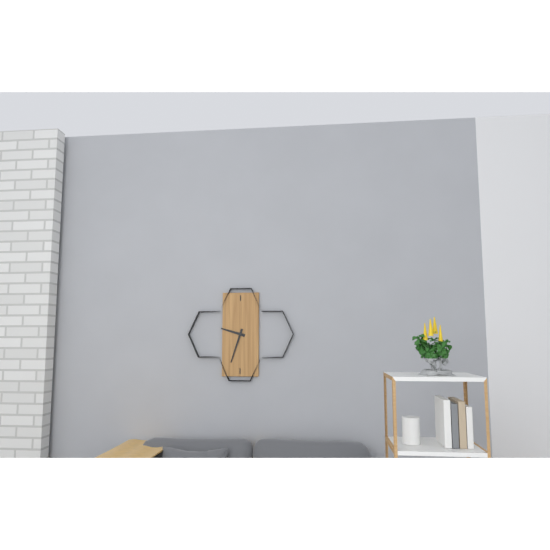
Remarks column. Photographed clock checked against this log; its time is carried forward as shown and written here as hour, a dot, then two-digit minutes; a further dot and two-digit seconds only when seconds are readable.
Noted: 9.33
